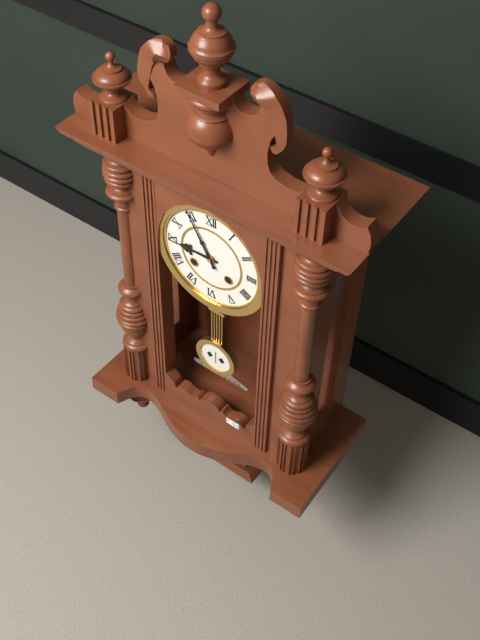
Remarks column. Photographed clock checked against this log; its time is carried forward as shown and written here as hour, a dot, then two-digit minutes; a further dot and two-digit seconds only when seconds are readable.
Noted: 8.55
